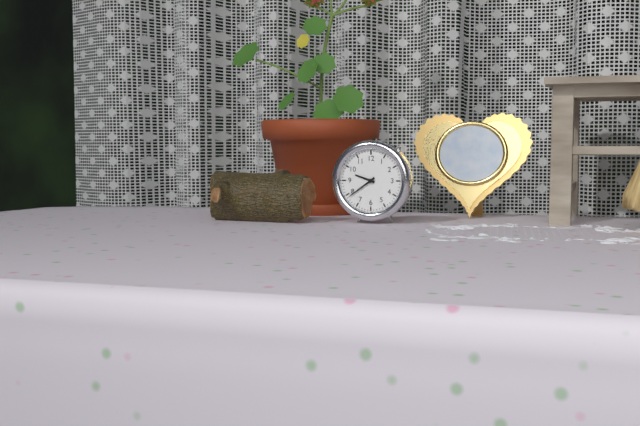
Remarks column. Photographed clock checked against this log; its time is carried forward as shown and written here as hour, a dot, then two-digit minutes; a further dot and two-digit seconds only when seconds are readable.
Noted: 9.39
